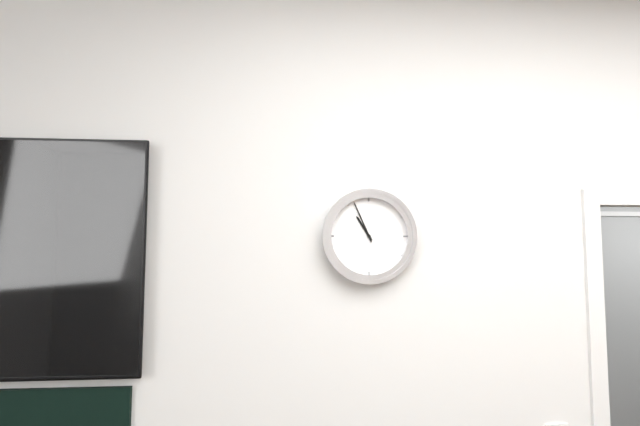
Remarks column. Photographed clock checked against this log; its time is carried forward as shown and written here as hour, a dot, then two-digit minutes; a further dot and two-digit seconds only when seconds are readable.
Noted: 10.56
